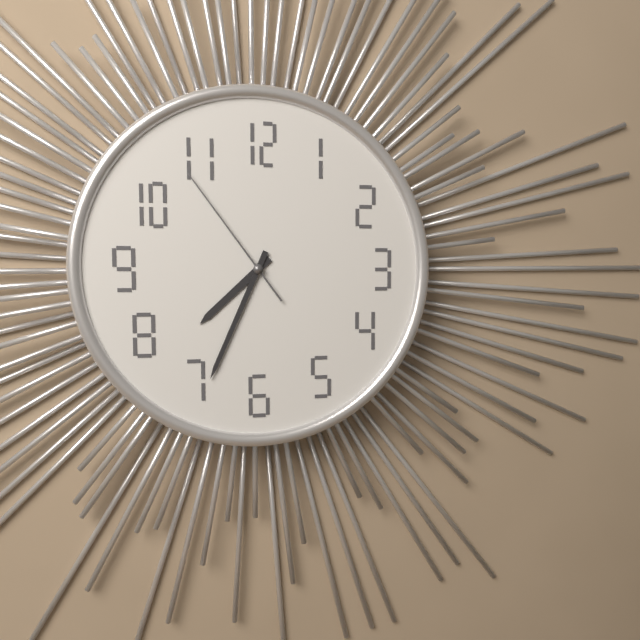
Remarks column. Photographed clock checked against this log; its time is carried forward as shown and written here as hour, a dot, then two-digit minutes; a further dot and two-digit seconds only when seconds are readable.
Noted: 7.34.54
